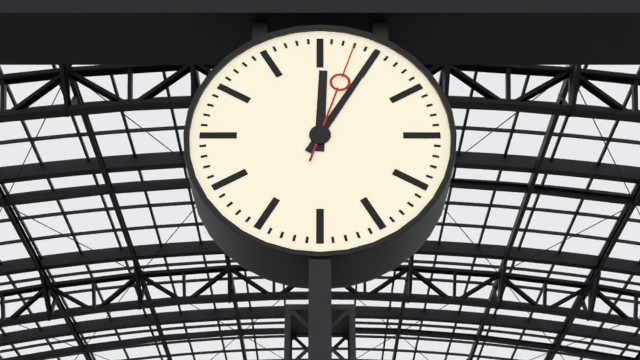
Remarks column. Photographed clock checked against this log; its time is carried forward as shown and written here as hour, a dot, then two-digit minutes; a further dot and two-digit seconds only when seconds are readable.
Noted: 12.05.03
